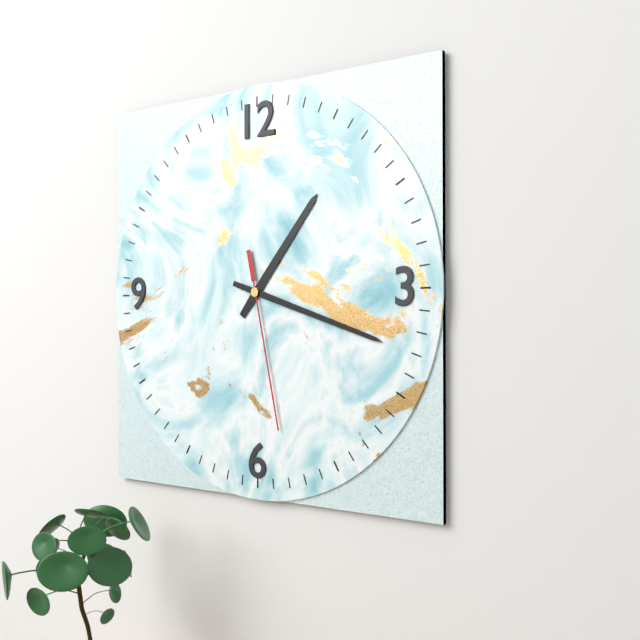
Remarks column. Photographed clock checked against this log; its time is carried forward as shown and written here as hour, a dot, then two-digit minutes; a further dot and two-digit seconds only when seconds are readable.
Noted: 1.18.28
